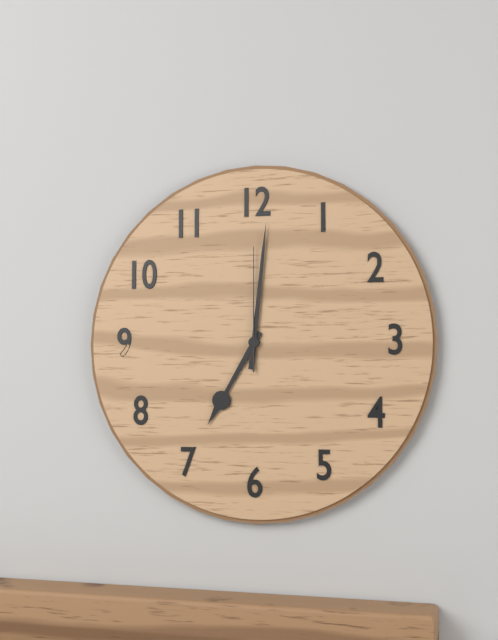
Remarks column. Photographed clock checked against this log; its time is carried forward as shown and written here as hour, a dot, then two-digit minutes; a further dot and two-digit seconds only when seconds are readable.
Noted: 7.01.00
